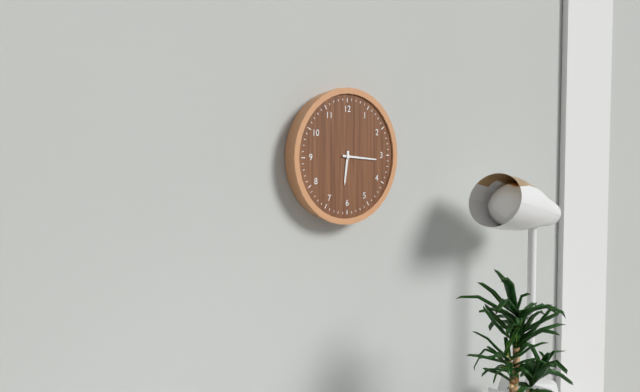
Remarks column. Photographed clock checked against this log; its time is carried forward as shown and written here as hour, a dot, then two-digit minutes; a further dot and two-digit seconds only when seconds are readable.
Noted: 6.16
